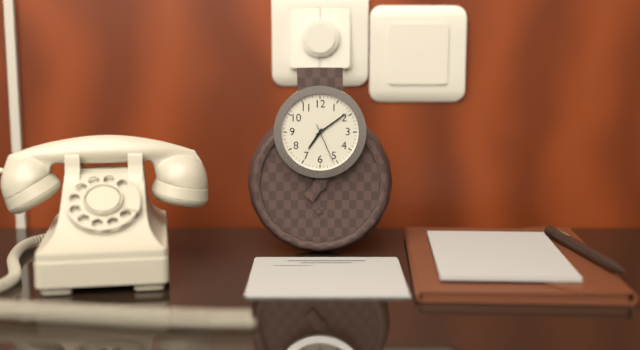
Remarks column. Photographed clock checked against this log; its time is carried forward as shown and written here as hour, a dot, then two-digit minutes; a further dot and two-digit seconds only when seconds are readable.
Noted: 7.09
